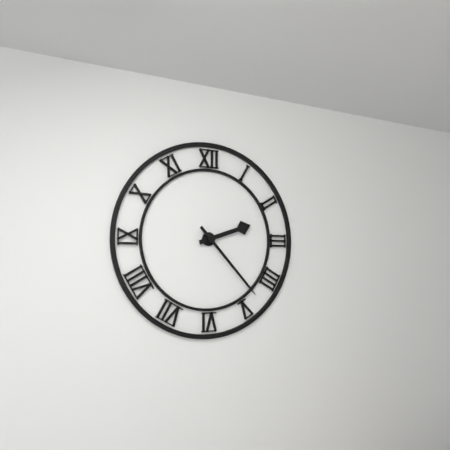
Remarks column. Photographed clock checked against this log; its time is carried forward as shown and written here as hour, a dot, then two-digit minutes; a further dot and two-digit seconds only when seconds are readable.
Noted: 2.23
